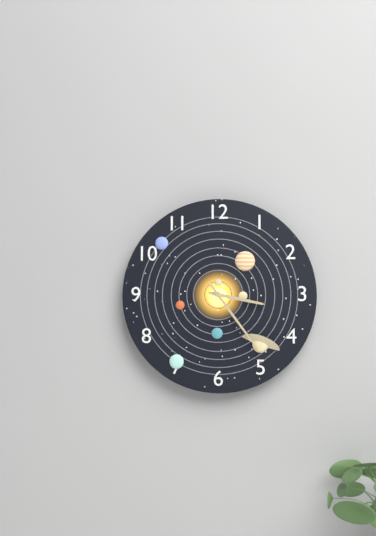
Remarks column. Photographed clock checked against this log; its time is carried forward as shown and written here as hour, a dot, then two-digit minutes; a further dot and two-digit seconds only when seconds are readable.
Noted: 3.24
